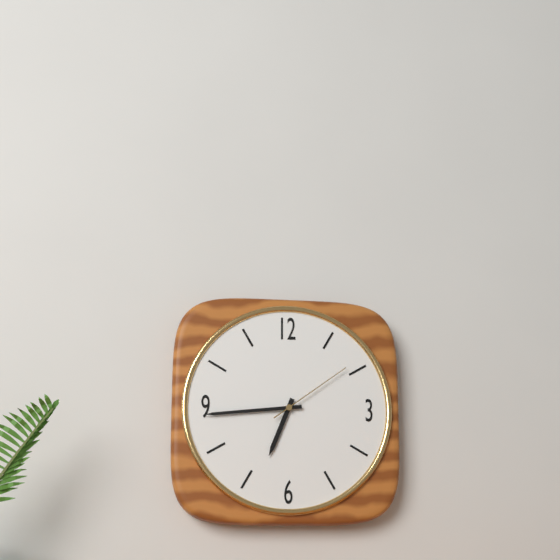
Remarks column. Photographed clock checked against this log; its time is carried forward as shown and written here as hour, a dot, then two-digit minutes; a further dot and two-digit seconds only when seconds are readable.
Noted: 6.44.09
